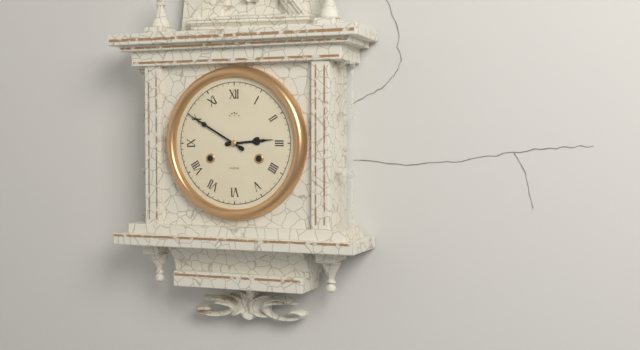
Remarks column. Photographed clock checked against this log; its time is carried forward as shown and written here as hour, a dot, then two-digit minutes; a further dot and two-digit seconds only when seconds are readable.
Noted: 2.50
